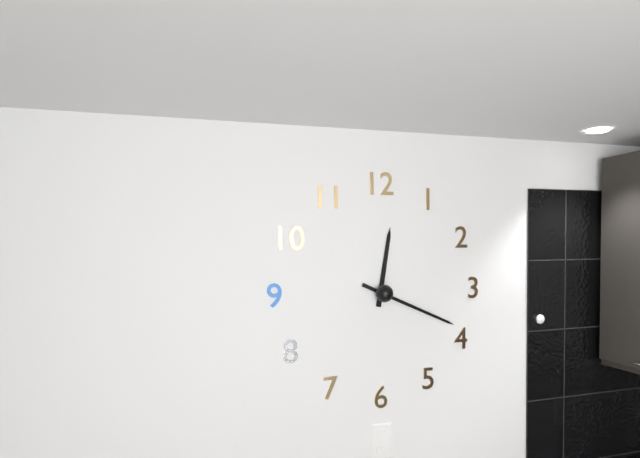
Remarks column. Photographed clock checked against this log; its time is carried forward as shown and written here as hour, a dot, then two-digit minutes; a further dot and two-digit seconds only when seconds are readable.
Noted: 12.19
